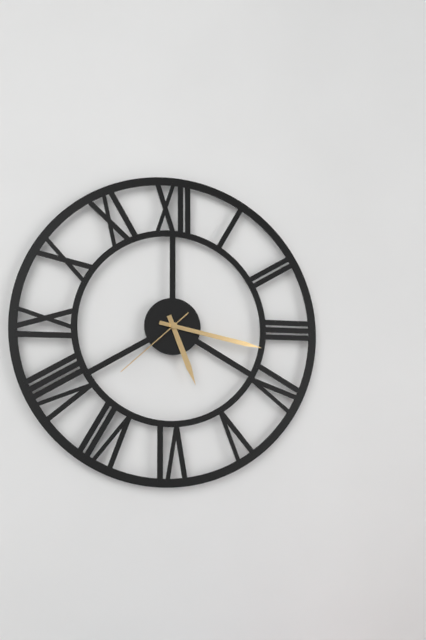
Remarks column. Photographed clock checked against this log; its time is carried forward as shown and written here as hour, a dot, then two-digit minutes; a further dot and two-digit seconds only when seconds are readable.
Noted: 5.17.38
